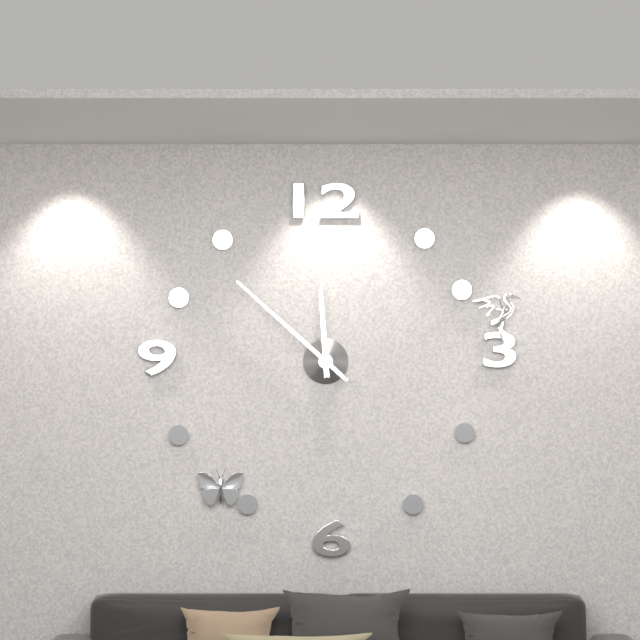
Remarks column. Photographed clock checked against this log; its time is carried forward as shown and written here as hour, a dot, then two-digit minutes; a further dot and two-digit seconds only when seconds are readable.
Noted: 11.52
